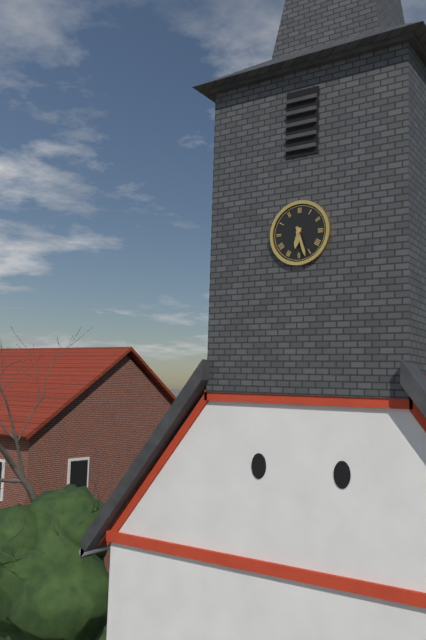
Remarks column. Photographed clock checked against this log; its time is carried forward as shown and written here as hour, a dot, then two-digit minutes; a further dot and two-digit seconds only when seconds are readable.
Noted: 6.27
